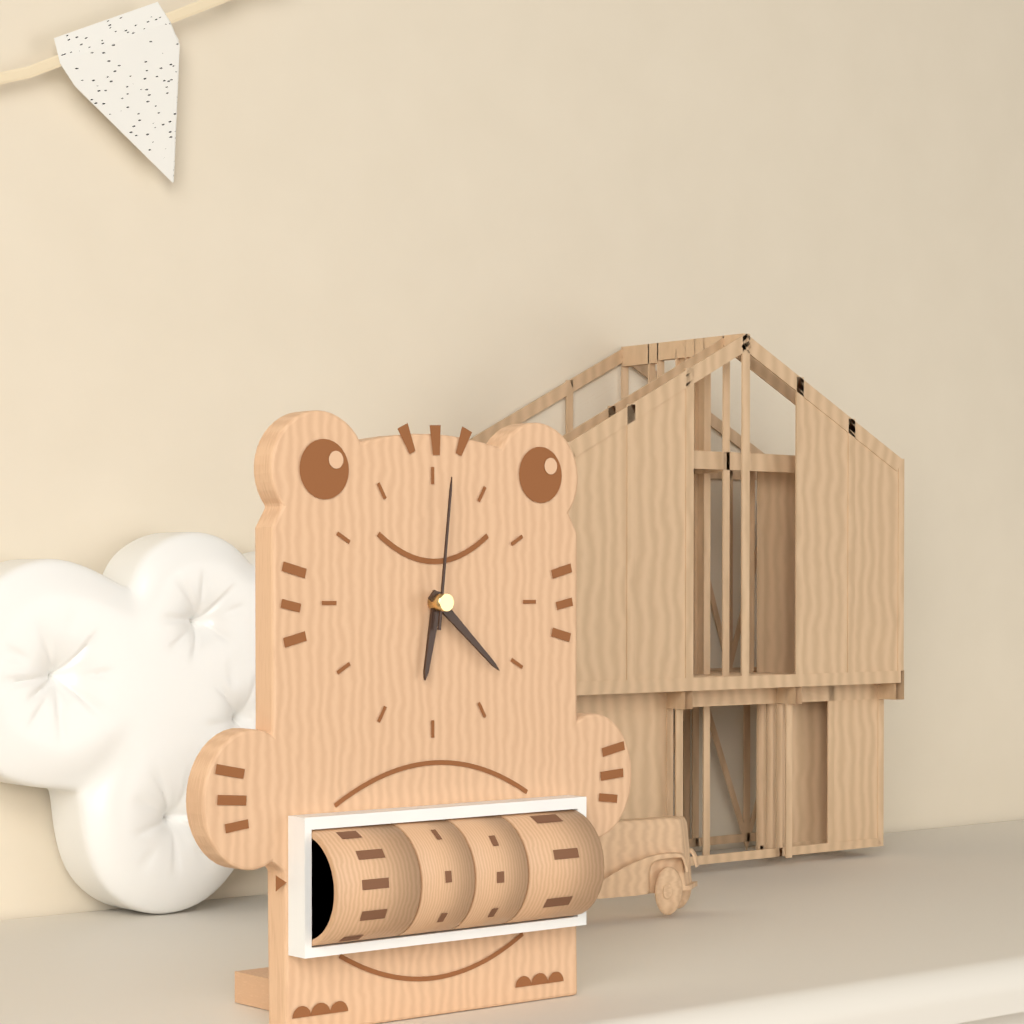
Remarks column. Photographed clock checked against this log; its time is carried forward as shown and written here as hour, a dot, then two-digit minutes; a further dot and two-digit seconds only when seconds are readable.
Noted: 6.22.01
